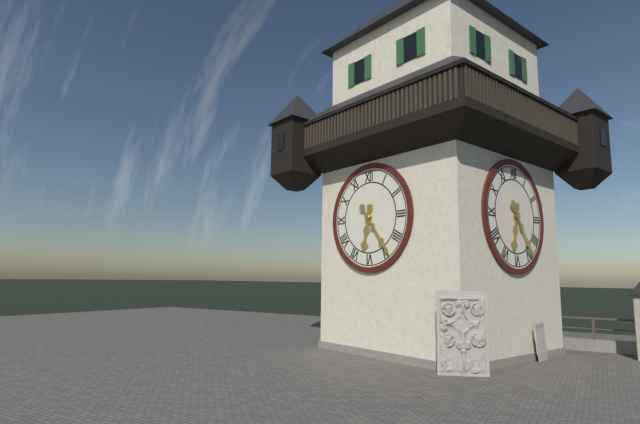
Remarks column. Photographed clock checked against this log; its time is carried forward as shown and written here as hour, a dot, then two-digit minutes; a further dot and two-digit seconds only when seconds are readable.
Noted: 6.24
